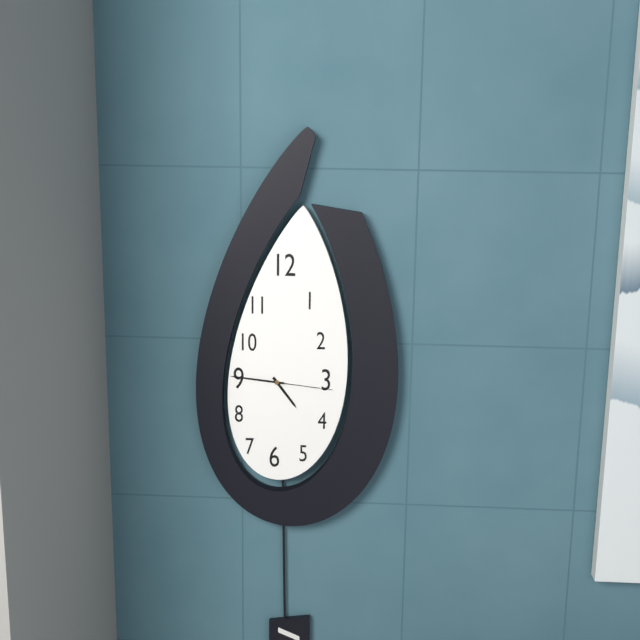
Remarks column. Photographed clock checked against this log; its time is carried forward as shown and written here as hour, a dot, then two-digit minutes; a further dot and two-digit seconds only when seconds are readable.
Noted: 4.46.16
